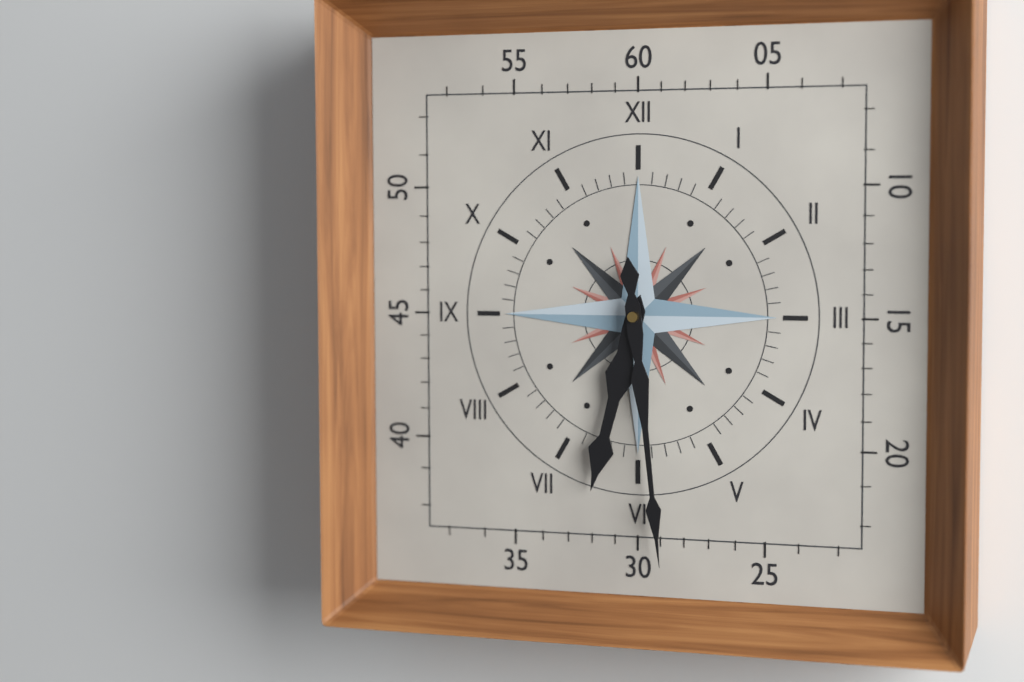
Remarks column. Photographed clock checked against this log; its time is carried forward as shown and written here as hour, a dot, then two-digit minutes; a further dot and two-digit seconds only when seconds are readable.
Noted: 6.29
